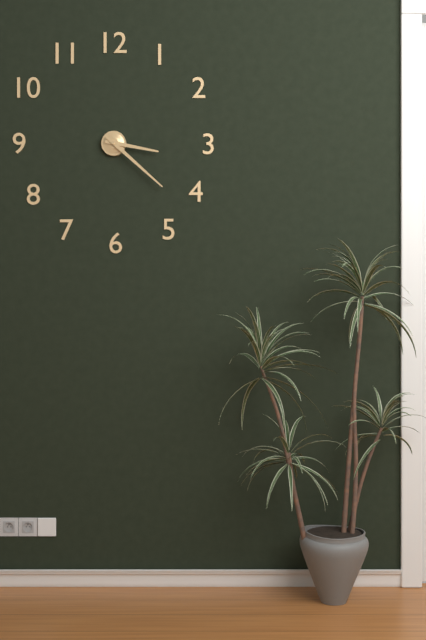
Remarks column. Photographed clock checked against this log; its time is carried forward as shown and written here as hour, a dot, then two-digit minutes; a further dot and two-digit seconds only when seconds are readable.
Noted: 3.22
